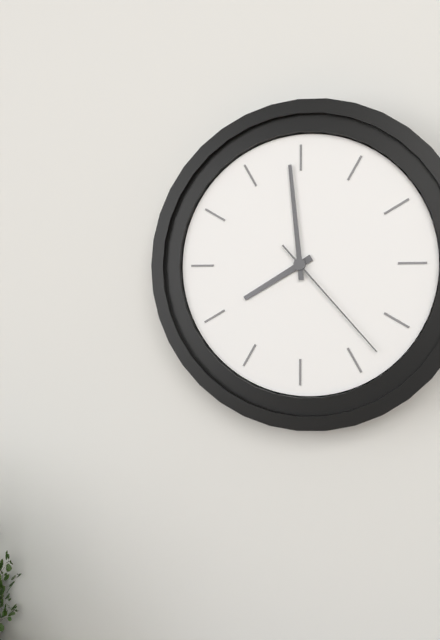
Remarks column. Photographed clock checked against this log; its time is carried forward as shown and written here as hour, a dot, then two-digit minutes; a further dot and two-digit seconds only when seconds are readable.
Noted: 7.59.23
